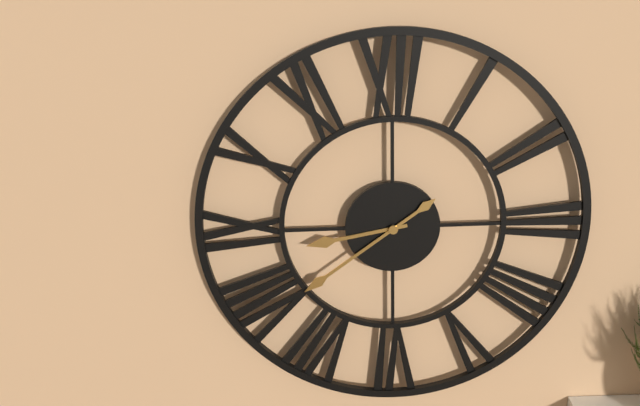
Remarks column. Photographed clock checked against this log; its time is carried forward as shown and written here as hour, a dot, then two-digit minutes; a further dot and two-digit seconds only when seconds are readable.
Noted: 8.39
